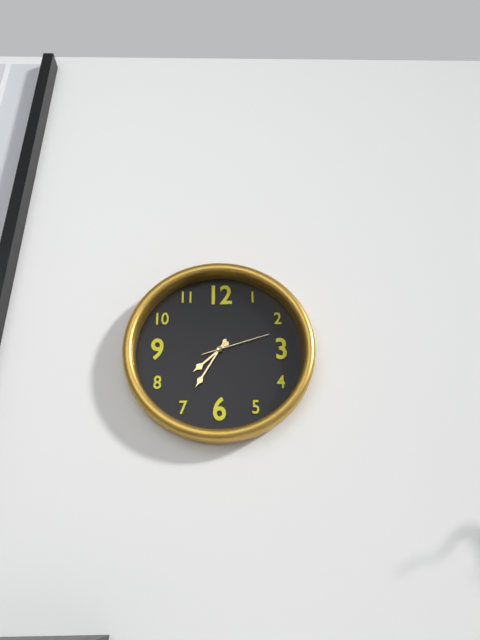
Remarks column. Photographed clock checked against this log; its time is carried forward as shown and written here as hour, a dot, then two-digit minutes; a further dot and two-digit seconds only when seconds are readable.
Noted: 7.35.12
